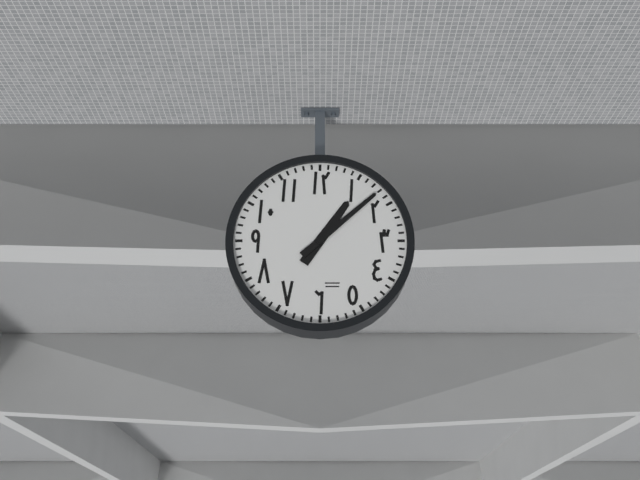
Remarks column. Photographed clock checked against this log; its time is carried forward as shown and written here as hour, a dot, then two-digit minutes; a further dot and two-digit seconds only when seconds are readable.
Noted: 1.08
